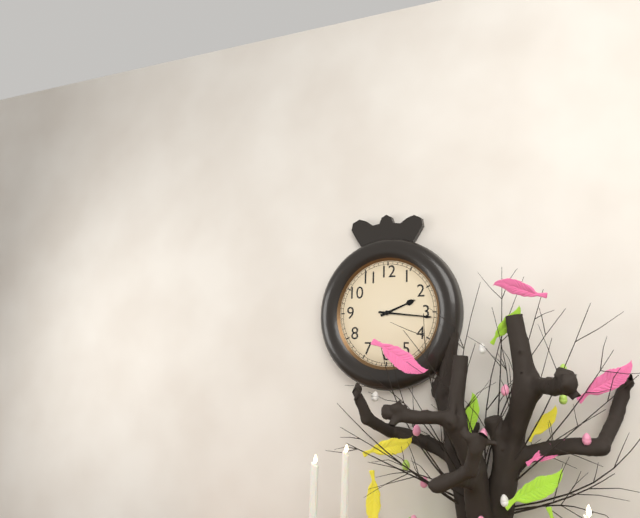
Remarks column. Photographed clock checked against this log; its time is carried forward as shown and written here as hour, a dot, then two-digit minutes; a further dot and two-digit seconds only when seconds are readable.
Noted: 2.16
